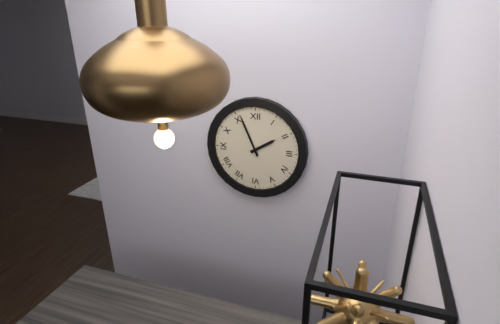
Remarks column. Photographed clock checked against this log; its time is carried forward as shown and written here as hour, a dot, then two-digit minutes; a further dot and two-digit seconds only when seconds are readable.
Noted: 1.56
